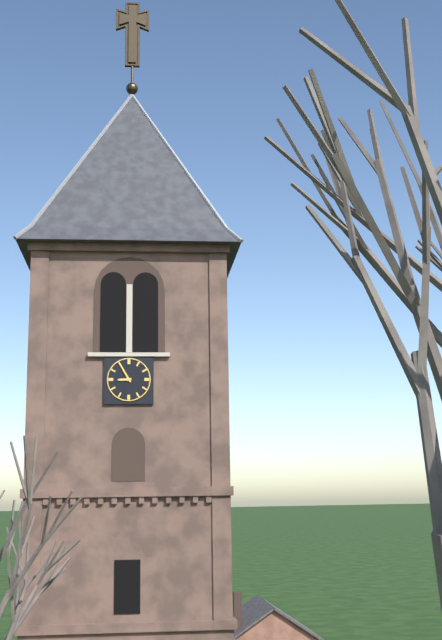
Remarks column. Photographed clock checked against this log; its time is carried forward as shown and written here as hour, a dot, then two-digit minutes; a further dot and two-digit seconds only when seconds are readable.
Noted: 8.55
